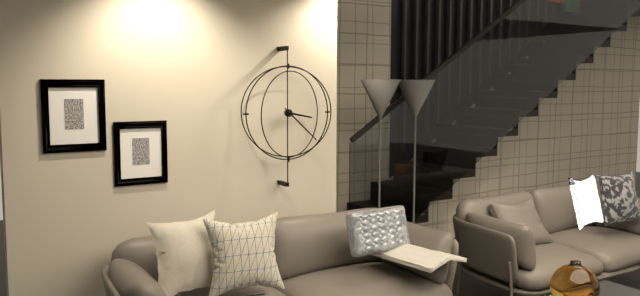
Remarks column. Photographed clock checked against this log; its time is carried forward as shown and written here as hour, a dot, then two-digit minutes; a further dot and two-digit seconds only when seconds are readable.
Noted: 3.22
